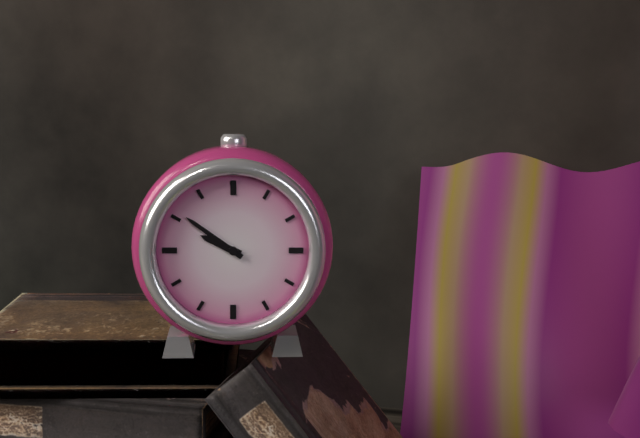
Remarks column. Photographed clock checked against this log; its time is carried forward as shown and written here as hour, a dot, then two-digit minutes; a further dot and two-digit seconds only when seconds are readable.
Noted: 9.51
